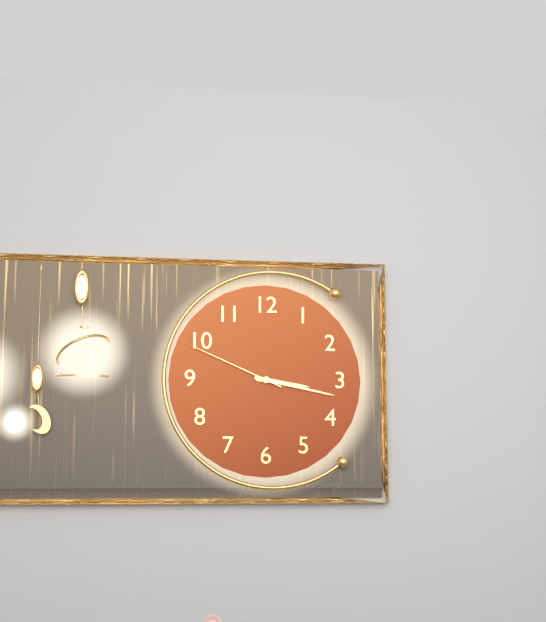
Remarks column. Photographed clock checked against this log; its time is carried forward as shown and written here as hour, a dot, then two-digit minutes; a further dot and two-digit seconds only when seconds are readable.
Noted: 3.17.49
